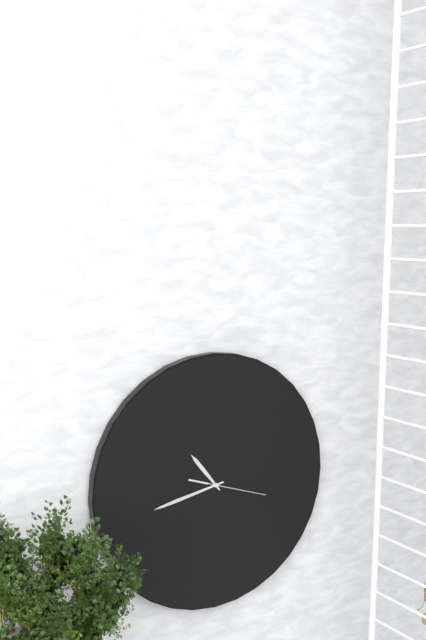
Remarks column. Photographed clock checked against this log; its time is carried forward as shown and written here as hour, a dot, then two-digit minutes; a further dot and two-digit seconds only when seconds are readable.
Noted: 10.43.18
